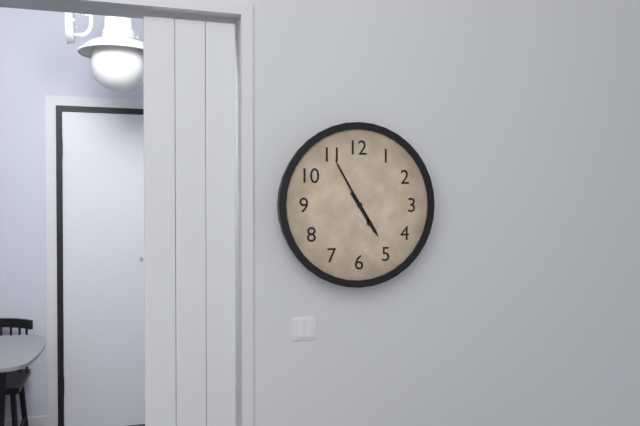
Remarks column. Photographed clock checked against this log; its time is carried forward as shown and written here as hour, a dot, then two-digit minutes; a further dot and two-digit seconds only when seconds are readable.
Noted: 4.55
